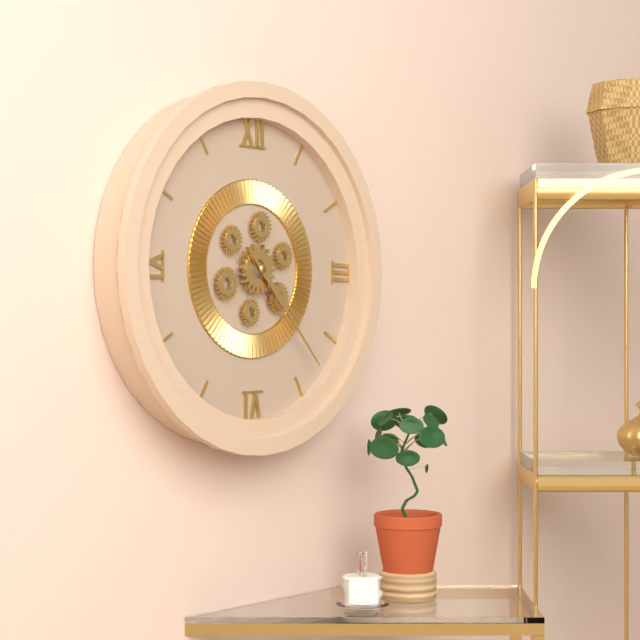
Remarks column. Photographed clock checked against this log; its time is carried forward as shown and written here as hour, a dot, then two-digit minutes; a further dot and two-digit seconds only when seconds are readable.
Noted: 4.23
